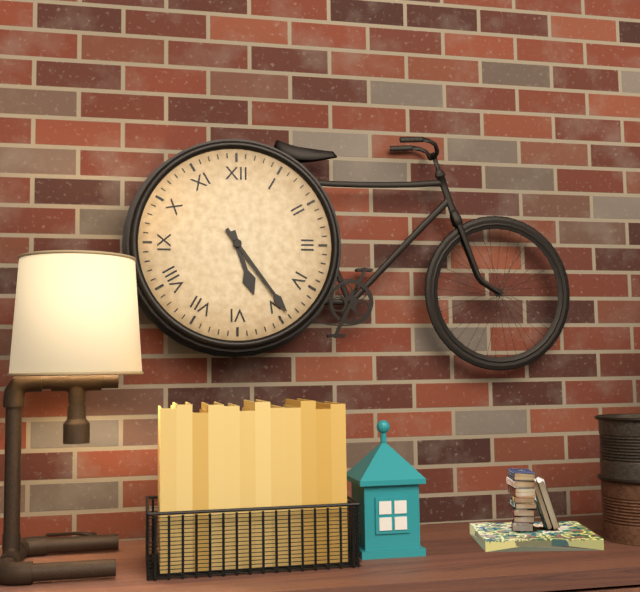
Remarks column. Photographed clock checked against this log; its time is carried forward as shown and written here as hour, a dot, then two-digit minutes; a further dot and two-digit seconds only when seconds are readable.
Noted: 5.24
